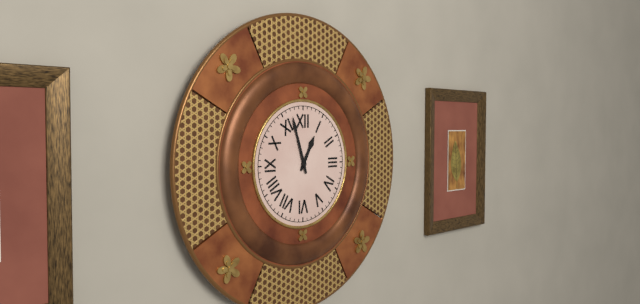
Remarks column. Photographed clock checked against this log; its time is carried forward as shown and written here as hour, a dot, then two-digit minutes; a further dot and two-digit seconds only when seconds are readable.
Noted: 12.57
